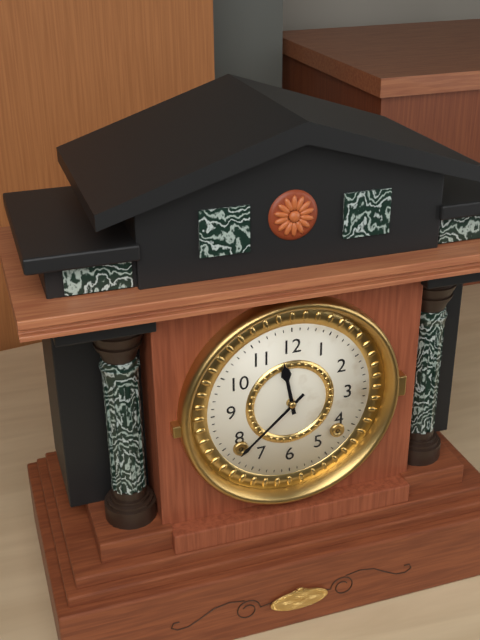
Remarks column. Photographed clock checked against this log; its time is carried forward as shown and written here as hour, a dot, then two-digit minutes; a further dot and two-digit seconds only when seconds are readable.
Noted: 11.38
